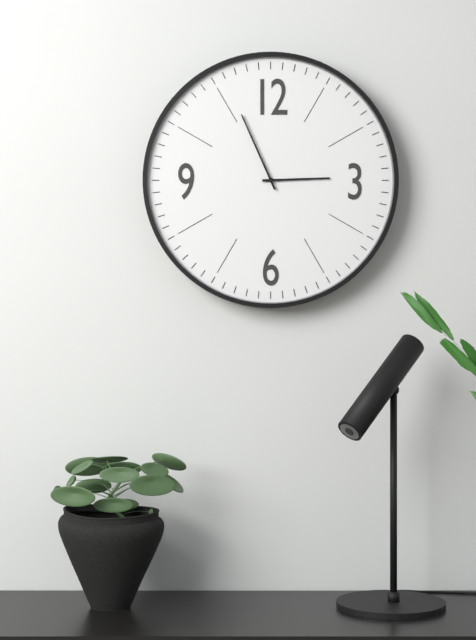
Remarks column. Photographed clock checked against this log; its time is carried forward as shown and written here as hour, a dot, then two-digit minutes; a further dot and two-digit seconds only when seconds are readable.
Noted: 2.56
